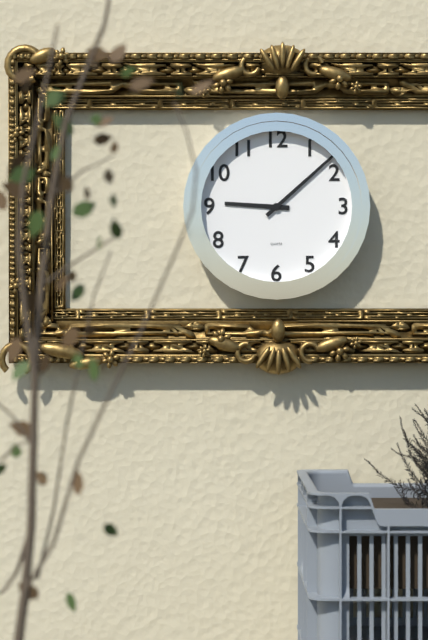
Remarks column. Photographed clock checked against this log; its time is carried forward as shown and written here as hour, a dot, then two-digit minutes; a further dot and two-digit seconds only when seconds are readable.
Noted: 9.08
